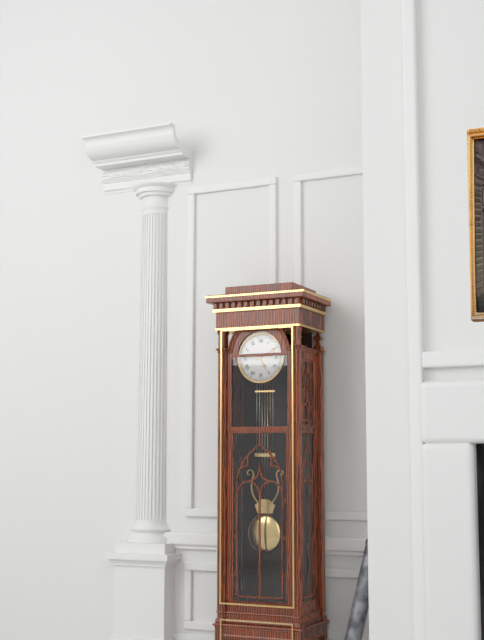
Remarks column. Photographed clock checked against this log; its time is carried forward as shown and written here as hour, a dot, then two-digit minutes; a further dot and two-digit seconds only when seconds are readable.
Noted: 5.10
